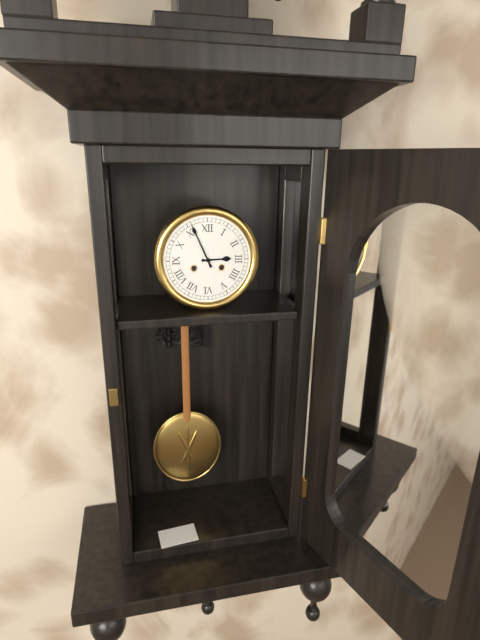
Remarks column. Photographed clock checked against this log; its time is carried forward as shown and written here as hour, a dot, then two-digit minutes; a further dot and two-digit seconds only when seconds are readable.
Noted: 2.56
